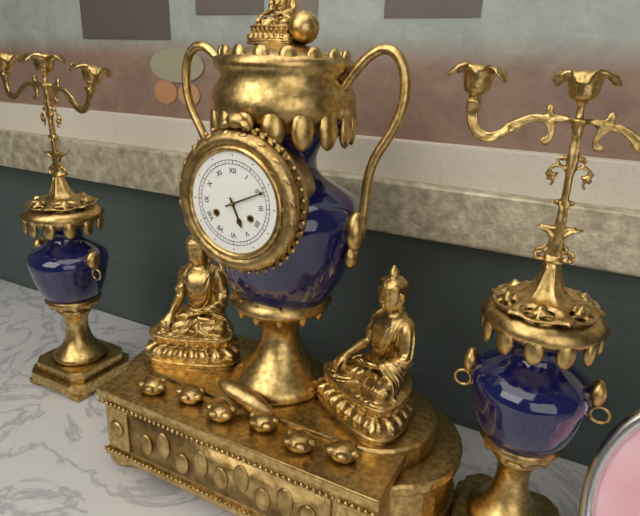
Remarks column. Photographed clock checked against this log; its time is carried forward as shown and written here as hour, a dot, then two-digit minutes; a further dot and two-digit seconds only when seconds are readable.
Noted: 5.11
